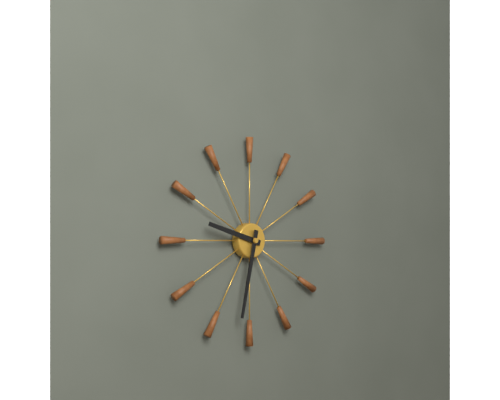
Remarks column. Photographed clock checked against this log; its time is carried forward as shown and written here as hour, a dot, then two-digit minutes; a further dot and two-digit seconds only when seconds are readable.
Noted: 9.32
